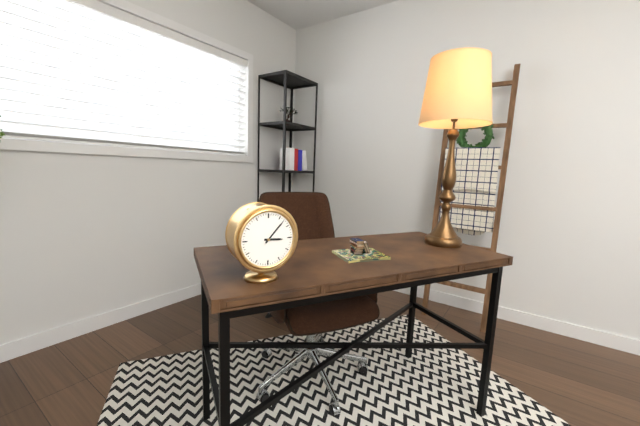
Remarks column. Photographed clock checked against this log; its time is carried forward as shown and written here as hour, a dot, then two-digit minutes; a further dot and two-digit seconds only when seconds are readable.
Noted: 3.07
